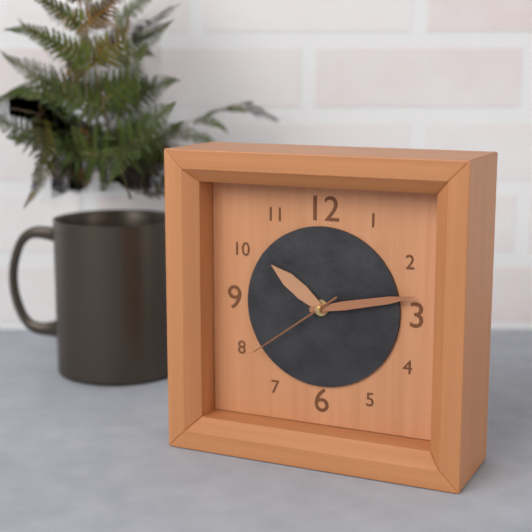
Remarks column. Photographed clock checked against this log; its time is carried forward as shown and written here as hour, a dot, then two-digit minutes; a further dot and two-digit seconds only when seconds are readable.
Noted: 10.13.39
